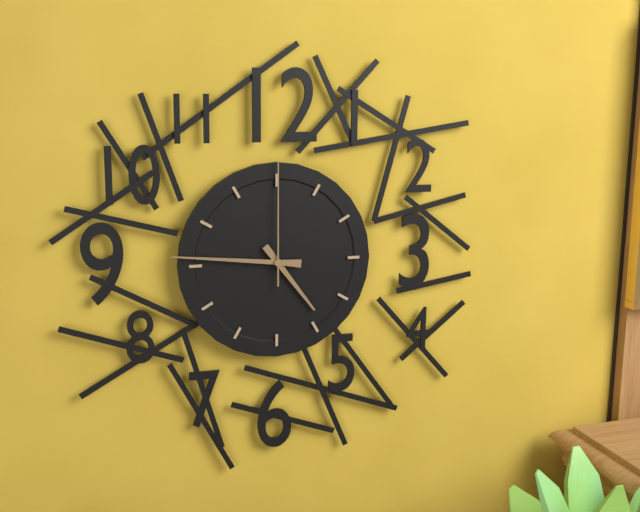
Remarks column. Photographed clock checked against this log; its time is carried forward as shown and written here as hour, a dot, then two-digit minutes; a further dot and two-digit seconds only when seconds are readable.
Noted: 4.46.00
